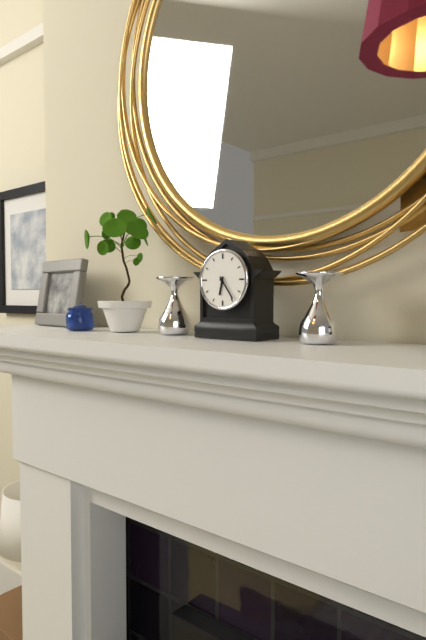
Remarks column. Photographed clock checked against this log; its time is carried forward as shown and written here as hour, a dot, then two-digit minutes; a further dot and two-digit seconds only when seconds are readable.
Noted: 6.24
